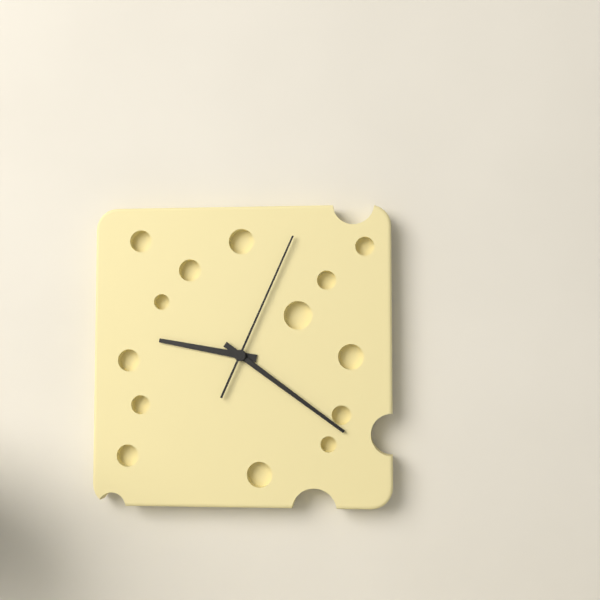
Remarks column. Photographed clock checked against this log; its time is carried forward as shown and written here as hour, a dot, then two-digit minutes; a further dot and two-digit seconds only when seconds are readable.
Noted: 9.21.04
